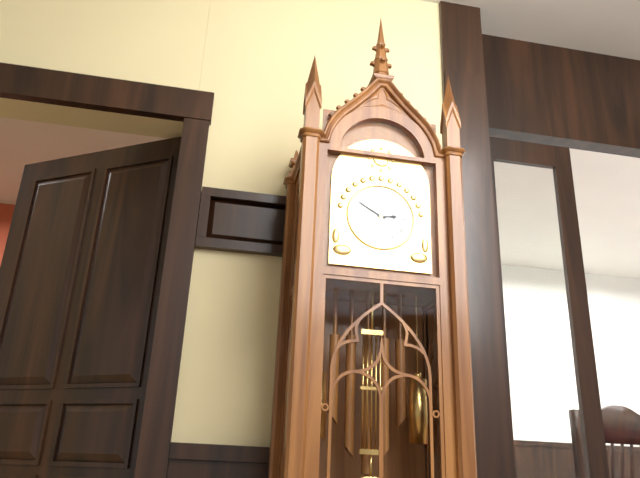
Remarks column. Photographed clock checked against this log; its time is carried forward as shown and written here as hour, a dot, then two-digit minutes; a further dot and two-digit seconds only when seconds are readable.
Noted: 2.50
